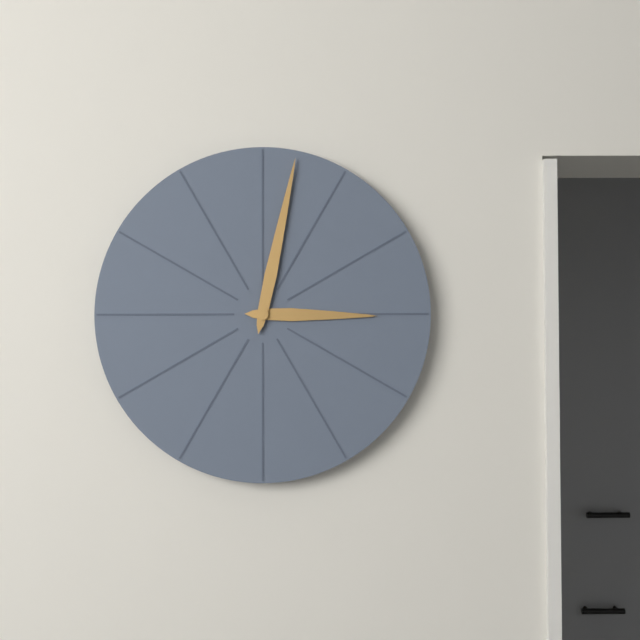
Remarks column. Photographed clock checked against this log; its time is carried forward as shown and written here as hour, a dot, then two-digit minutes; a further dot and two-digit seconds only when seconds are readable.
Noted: 3.02
